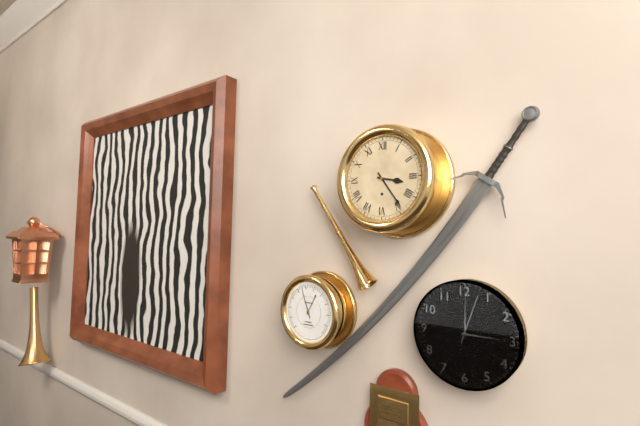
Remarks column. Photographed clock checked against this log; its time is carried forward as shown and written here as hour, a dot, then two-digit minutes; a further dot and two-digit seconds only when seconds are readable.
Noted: 3.24
